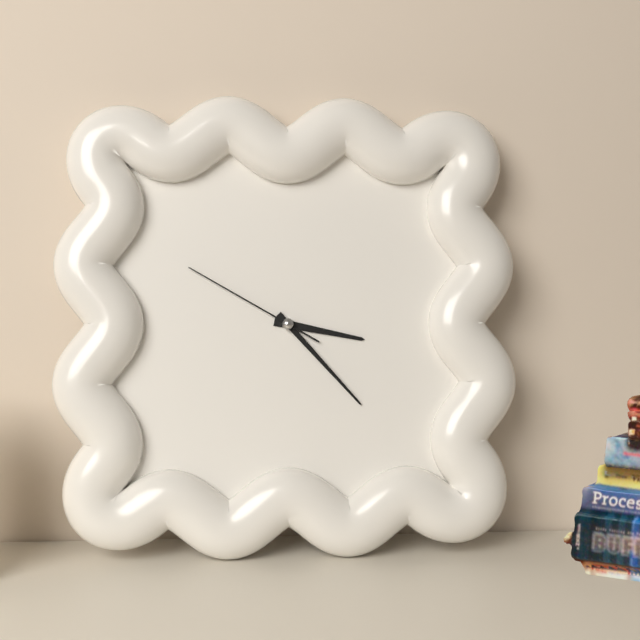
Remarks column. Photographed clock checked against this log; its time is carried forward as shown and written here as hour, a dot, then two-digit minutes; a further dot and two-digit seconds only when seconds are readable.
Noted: 3.23.50
